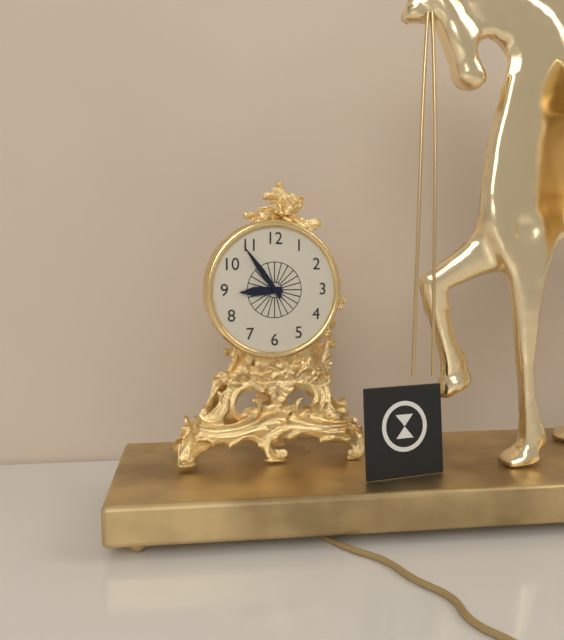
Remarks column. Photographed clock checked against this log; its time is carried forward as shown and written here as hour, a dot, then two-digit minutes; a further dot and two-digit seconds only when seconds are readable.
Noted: 8.54
